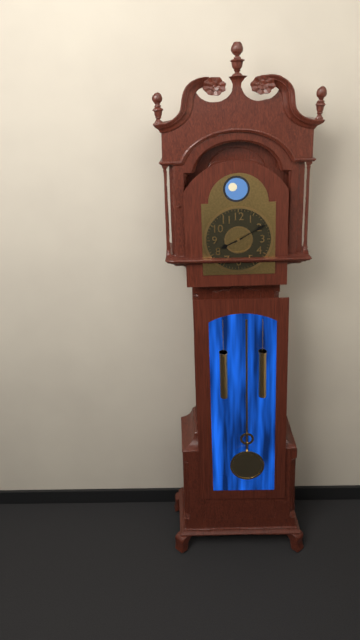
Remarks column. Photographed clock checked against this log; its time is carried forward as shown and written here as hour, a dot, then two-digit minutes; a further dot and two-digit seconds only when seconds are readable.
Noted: 8.10
